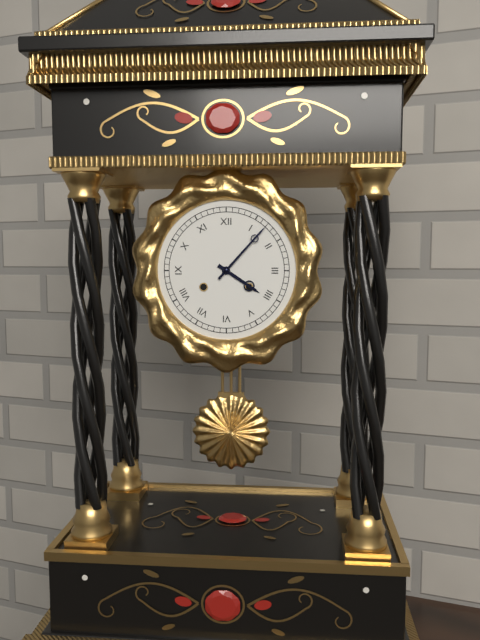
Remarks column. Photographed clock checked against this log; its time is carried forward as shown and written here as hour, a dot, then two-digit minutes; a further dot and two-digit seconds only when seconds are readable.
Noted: 4.07
